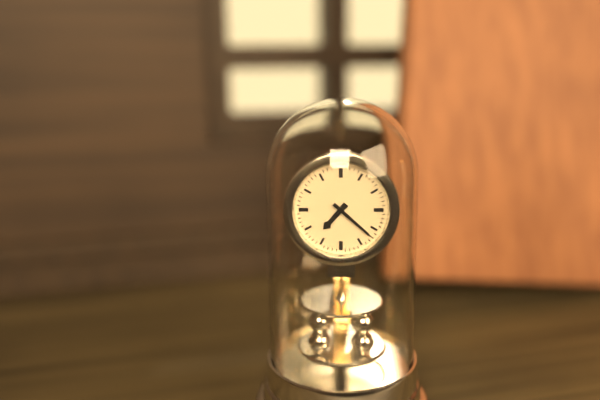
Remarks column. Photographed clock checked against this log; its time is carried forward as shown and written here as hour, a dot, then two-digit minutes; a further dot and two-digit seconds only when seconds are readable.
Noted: 7.22
